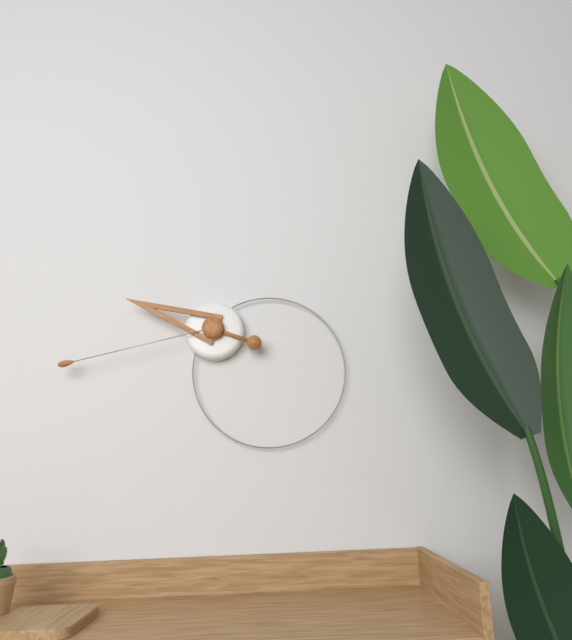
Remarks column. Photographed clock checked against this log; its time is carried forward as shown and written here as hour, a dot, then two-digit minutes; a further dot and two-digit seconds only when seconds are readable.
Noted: 9.43
